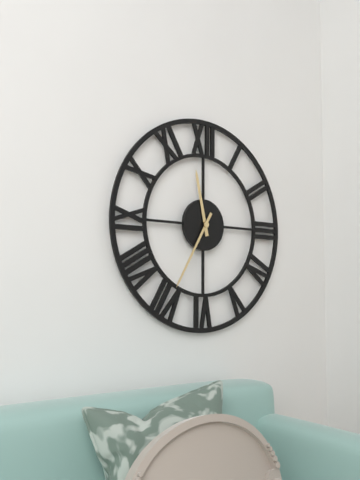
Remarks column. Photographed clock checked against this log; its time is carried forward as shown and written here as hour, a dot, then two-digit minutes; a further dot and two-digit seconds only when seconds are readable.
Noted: 11.35
